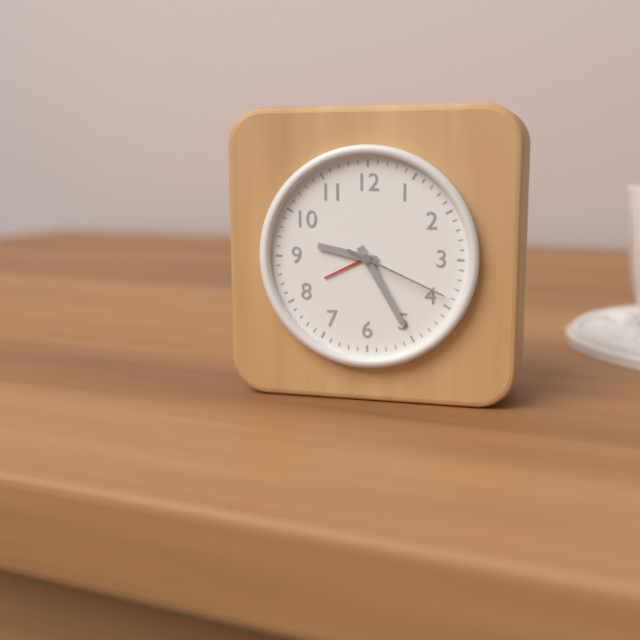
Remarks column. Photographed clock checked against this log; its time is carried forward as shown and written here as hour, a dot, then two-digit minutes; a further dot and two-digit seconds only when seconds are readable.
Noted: 9.25.19
